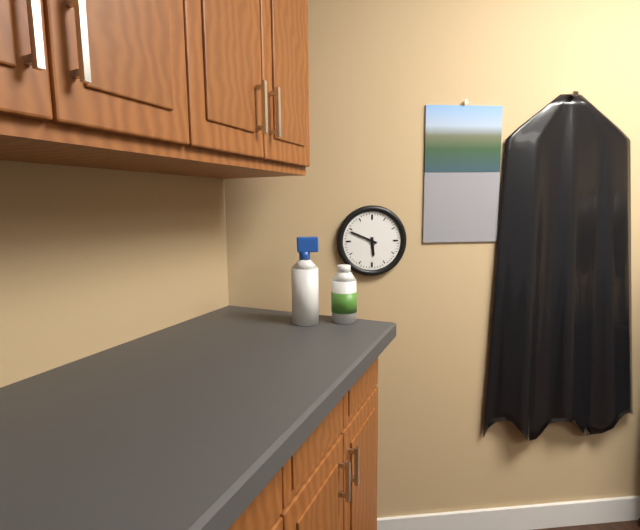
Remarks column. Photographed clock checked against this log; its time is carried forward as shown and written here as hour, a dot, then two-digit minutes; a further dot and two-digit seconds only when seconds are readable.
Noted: 5.49
